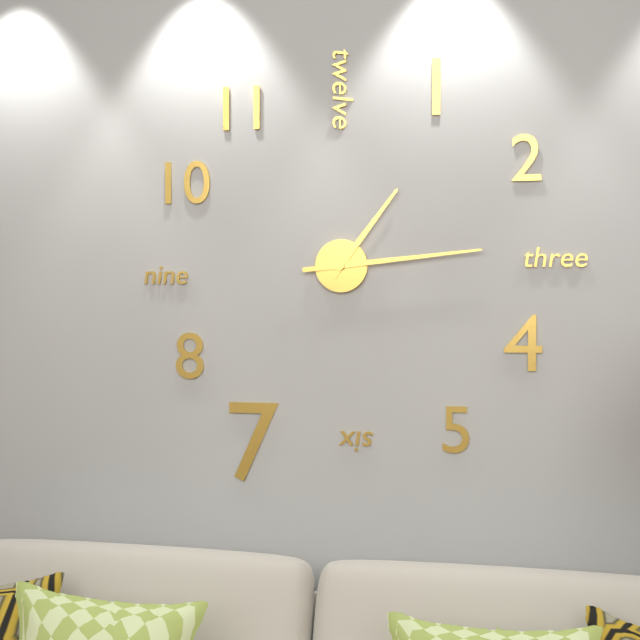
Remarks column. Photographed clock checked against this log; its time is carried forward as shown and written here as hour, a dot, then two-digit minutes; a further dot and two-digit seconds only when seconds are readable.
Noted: 1.14
